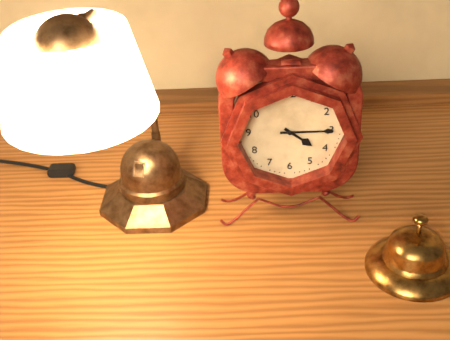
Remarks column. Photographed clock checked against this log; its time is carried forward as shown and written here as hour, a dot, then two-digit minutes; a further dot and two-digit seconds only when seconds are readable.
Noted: 4.15
